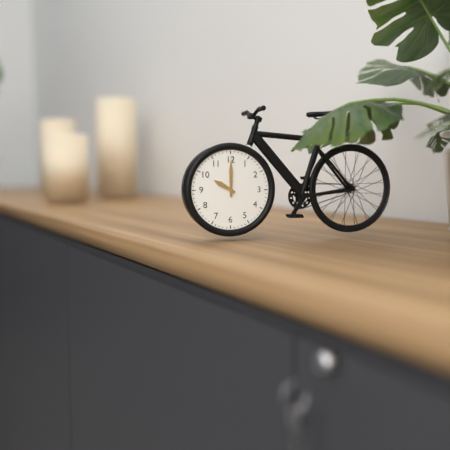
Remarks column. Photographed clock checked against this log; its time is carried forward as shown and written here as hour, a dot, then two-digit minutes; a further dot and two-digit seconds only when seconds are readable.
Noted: 10.00
